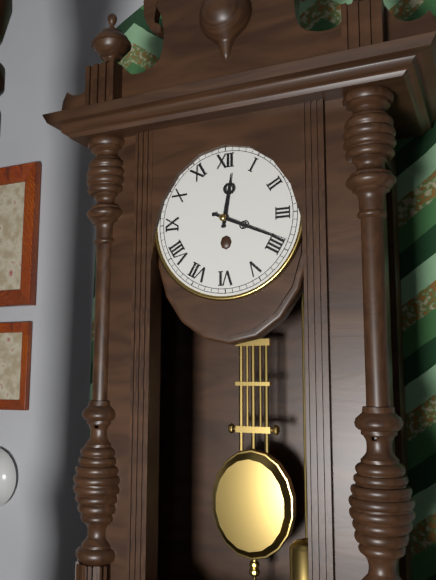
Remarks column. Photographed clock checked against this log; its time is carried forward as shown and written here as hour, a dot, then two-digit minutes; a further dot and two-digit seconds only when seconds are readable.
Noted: 12.19
